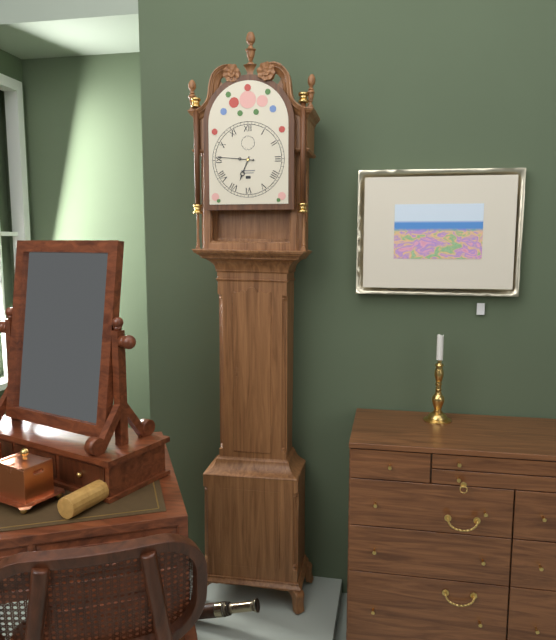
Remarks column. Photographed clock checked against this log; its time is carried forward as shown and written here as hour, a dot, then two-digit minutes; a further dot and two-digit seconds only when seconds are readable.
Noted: 6.46
